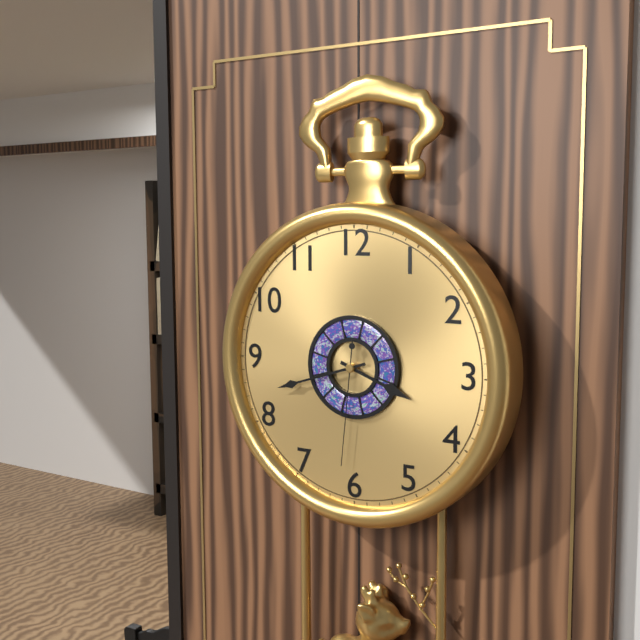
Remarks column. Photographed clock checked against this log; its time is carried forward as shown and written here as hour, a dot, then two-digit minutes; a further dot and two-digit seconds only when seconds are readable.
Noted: 3.42.31
